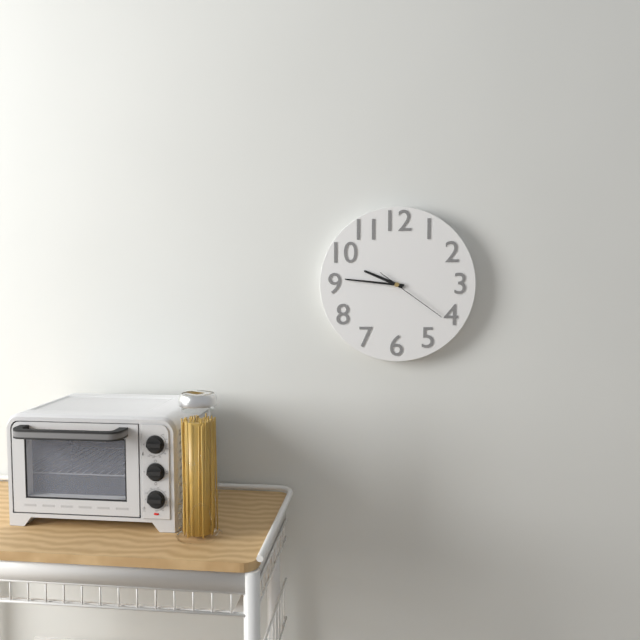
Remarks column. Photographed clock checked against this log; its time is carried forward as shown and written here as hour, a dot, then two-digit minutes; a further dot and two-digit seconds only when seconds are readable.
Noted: 9.46.21
